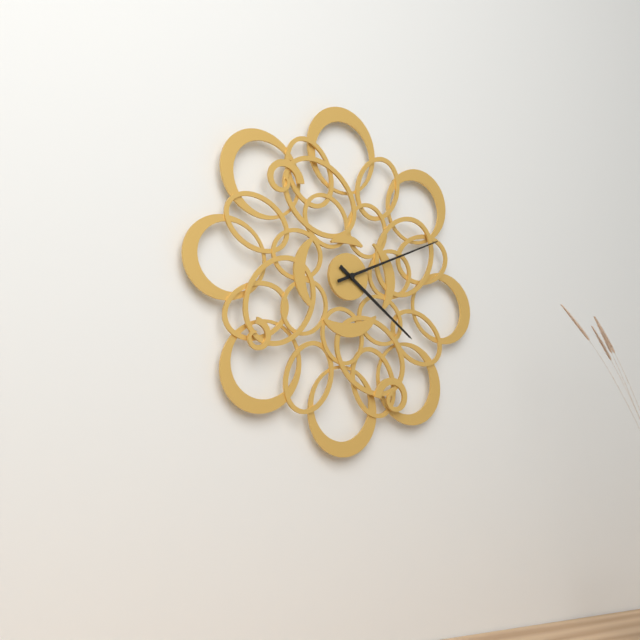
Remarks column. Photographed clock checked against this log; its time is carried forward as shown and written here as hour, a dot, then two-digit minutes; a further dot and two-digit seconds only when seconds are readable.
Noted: 4.11
